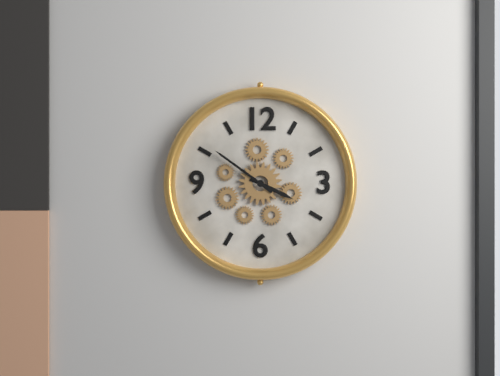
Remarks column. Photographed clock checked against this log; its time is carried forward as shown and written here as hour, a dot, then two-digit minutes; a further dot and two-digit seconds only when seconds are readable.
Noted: 3.51
